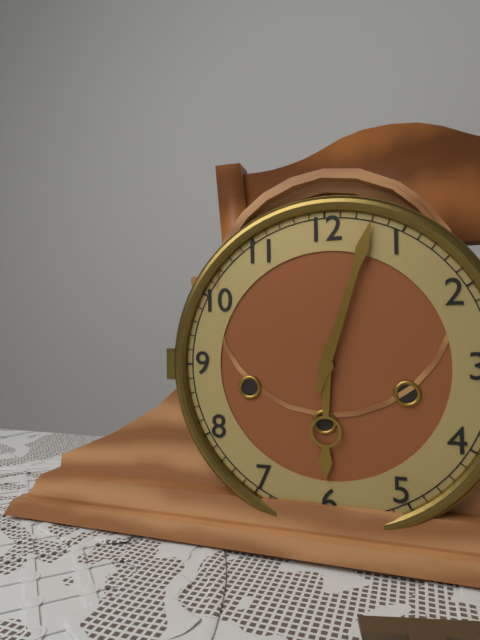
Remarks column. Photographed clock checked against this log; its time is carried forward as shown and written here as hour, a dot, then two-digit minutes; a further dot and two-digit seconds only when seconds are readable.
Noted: 6.03
